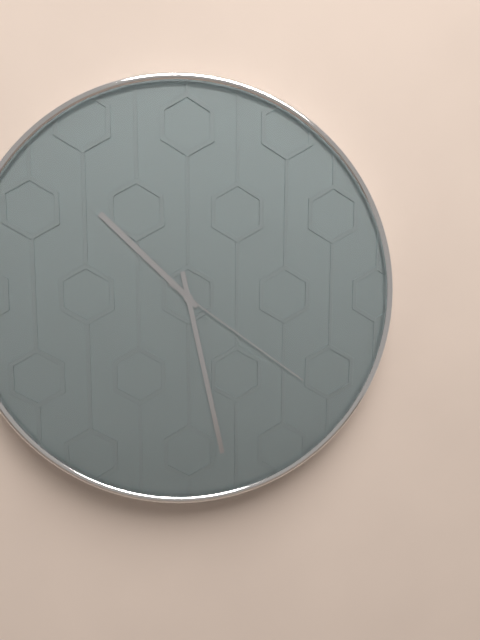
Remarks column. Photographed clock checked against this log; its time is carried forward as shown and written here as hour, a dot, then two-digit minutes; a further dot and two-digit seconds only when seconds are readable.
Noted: 10.28.21
